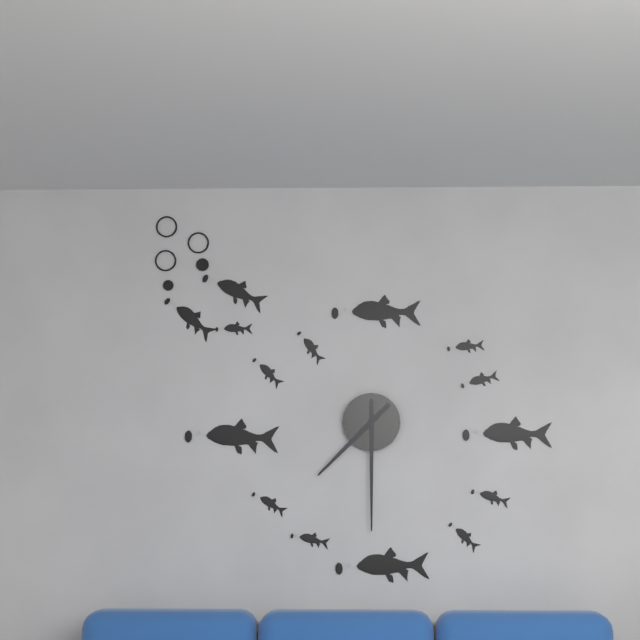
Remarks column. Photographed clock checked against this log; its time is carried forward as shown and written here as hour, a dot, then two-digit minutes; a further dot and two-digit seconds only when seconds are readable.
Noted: 7.30
